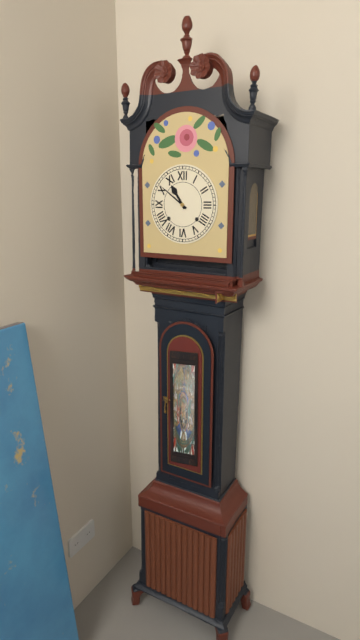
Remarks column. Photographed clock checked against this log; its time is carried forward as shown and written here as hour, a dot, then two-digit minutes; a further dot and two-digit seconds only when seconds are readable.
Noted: 10.51
